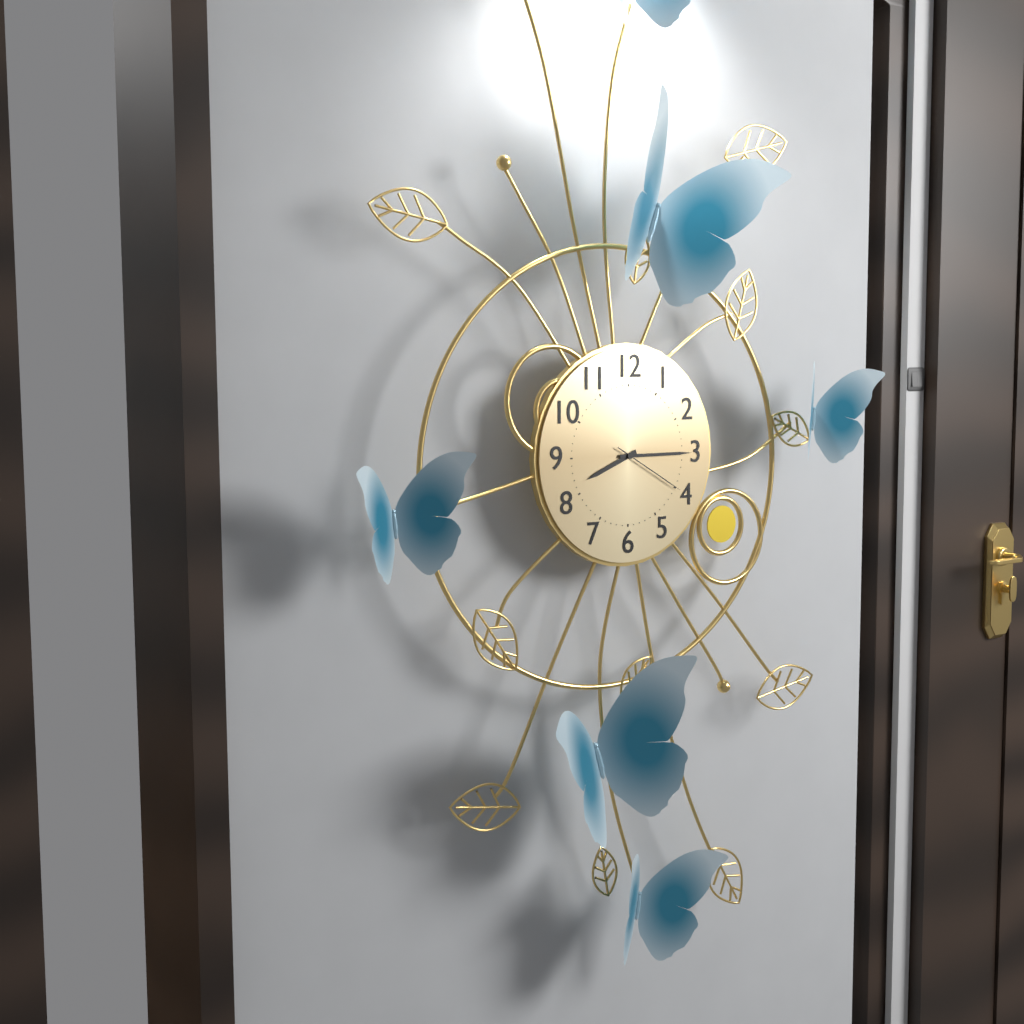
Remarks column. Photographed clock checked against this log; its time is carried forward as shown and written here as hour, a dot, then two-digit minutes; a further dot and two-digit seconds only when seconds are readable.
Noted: 8.15.20
